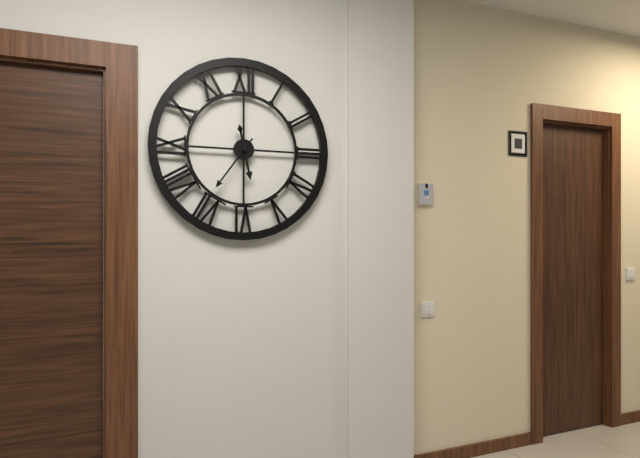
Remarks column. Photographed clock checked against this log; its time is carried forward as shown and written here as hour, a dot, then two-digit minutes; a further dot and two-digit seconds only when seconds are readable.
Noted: 5.36
